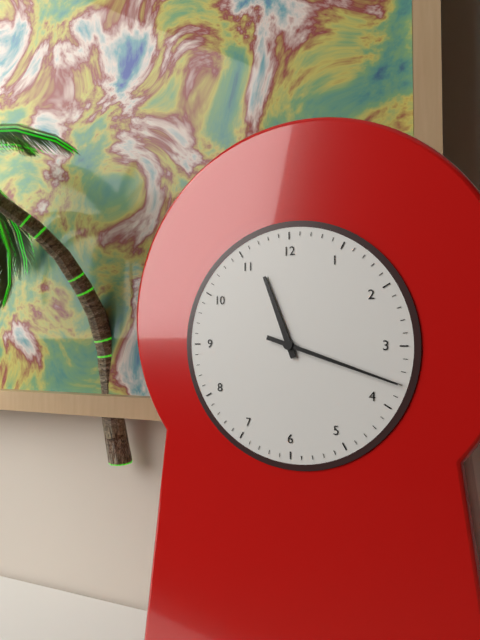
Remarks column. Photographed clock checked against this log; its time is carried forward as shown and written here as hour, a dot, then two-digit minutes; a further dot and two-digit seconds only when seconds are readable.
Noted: 11.18
